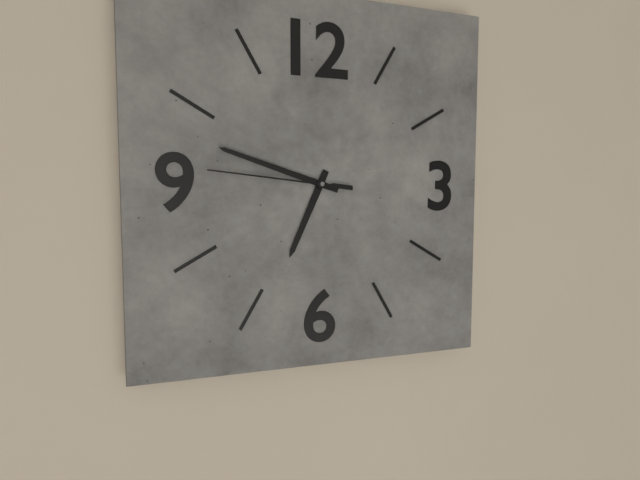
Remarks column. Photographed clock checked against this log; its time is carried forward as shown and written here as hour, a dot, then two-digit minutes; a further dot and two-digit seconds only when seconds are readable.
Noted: 6.48.46
